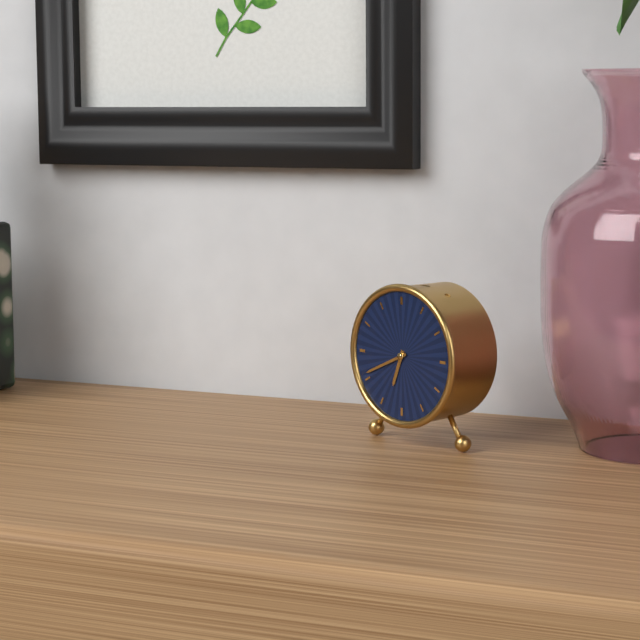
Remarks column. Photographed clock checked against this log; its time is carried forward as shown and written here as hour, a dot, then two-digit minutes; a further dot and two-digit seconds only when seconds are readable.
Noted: 6.41
